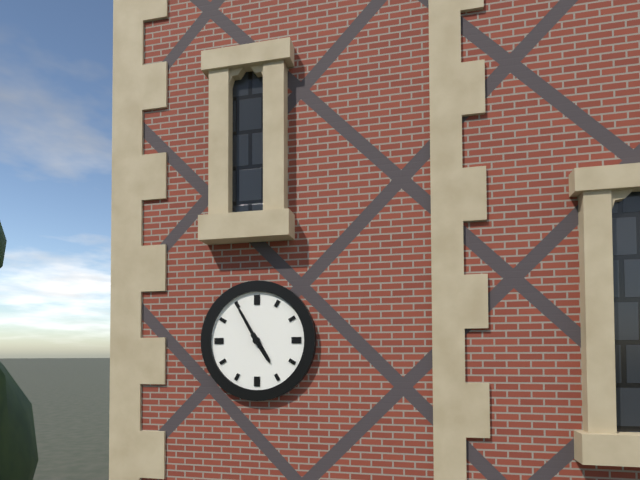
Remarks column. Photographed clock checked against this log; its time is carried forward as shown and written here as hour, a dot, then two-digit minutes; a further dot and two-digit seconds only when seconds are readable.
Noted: 4.55
